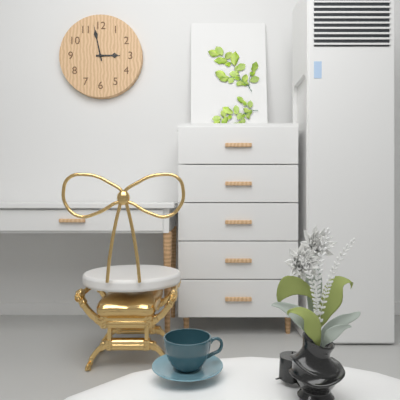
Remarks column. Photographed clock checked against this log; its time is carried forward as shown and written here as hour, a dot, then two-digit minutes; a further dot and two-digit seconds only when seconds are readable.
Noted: 2.58
